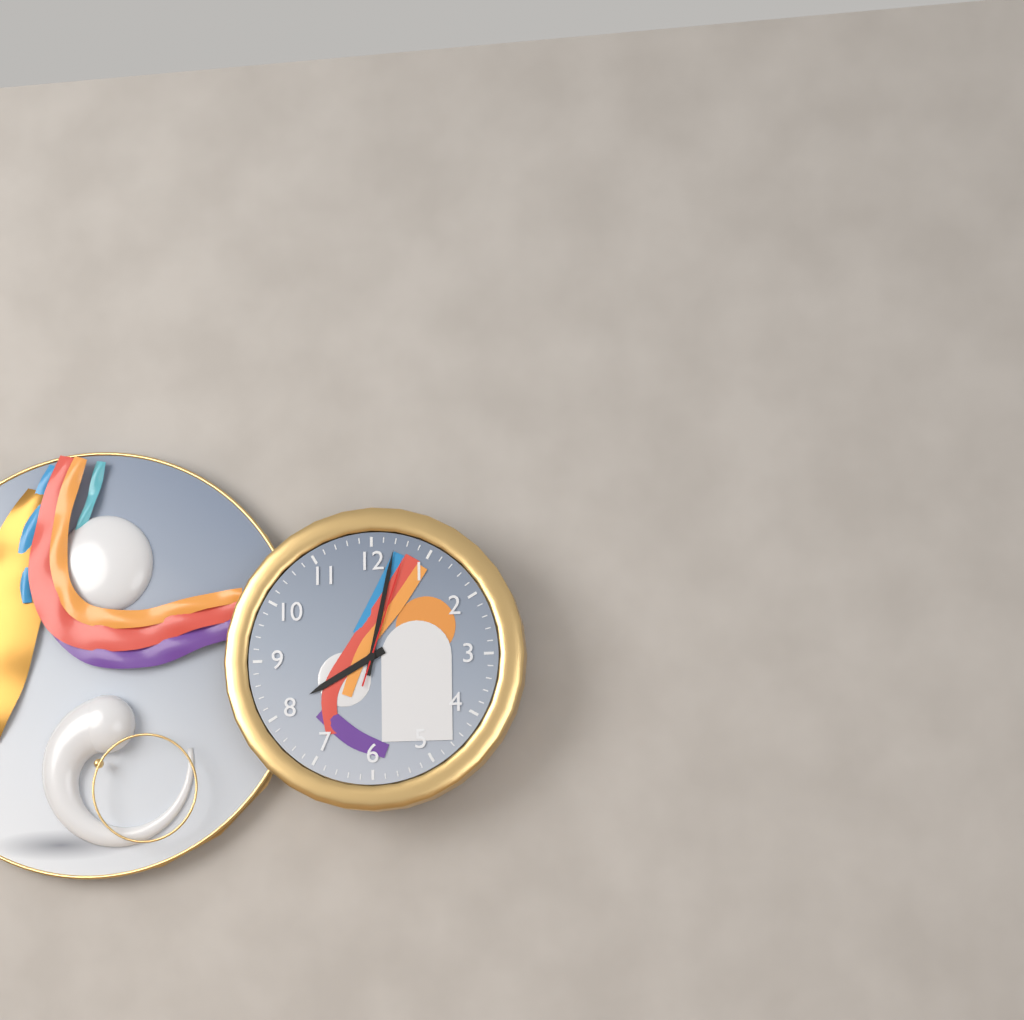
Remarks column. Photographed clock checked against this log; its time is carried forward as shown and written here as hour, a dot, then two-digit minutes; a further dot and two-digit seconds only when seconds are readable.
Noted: 8.02.03
